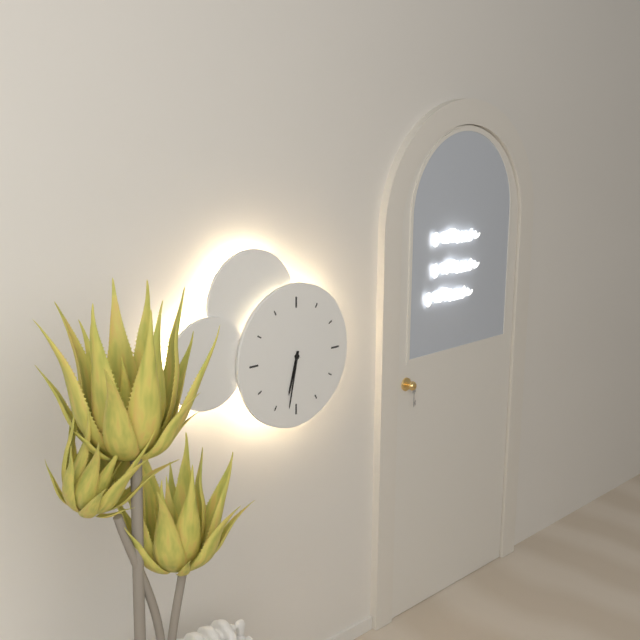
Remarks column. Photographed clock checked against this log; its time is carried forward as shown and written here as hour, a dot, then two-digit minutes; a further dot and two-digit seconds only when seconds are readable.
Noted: 6.32
